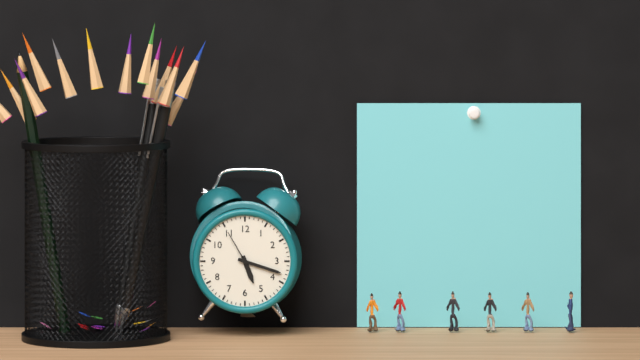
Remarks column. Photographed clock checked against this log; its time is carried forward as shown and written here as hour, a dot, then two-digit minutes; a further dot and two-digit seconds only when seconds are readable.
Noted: 5.18
